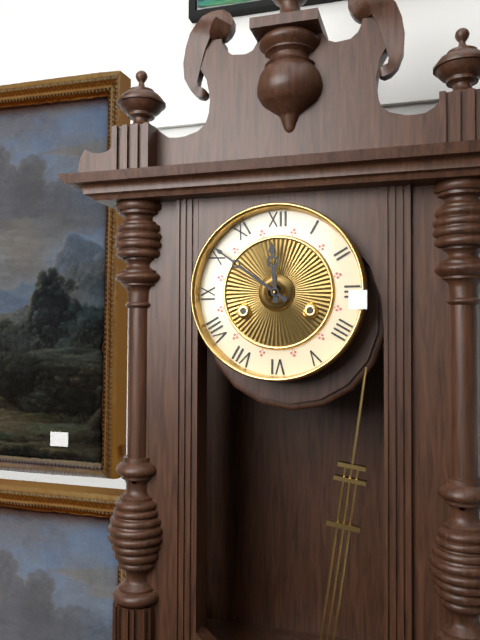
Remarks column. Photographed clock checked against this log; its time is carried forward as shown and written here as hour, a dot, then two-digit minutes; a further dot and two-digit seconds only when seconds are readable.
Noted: 11.51
